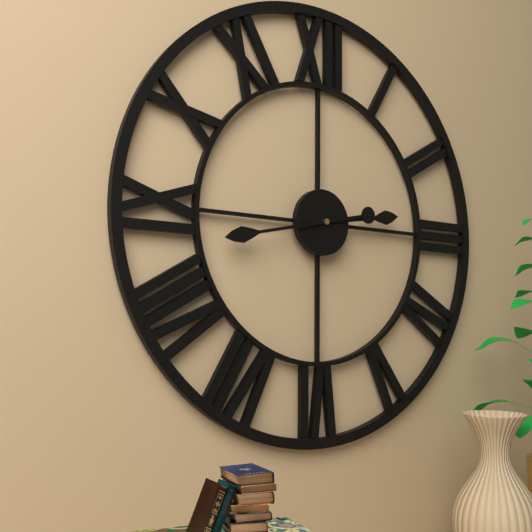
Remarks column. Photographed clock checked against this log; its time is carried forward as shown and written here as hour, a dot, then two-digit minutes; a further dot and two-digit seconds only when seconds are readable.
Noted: 2.43
